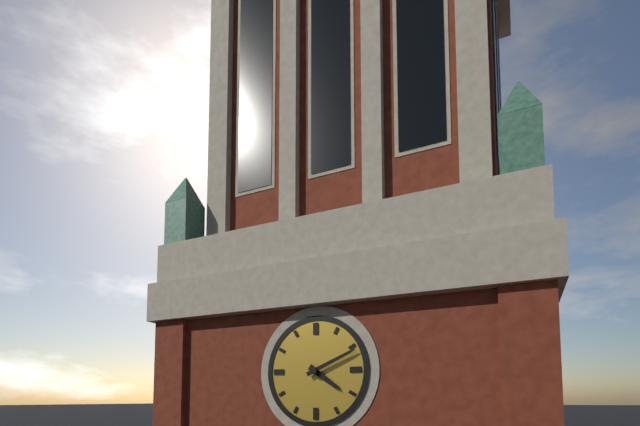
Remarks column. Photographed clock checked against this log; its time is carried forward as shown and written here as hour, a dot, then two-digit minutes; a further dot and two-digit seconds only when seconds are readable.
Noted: 4.11
